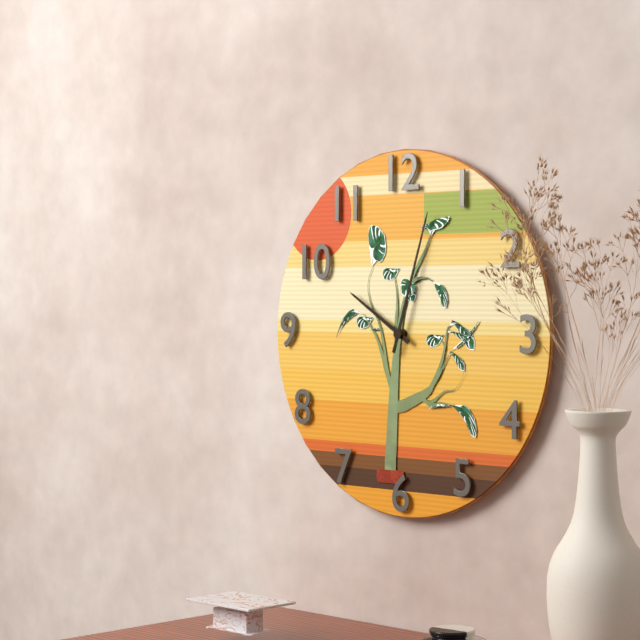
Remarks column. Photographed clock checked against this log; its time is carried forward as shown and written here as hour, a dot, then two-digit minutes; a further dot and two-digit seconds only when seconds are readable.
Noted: 10.03
